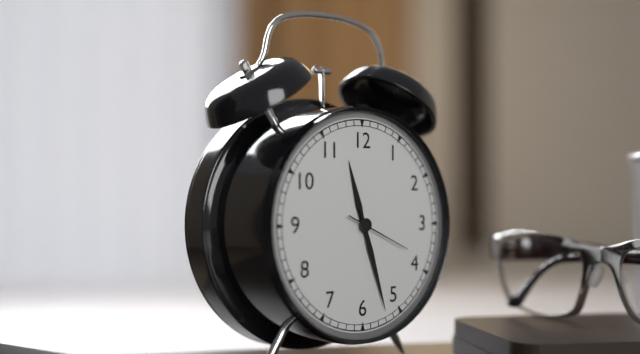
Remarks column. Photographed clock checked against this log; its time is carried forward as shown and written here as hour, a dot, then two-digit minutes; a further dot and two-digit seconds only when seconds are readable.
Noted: 11.27.19
